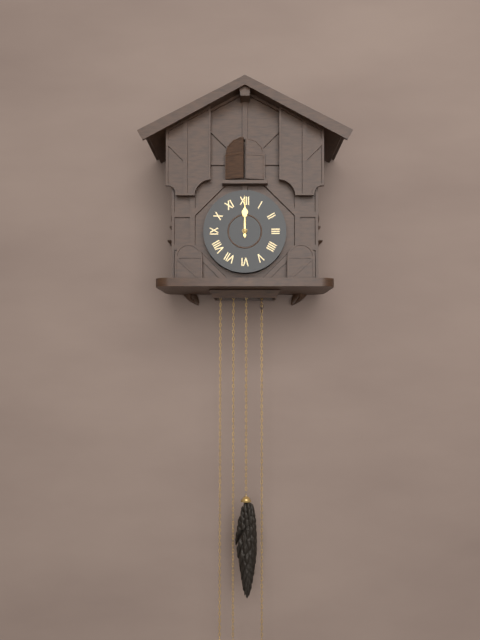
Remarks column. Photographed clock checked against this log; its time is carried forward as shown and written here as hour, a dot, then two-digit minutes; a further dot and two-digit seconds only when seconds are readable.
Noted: 12.00
